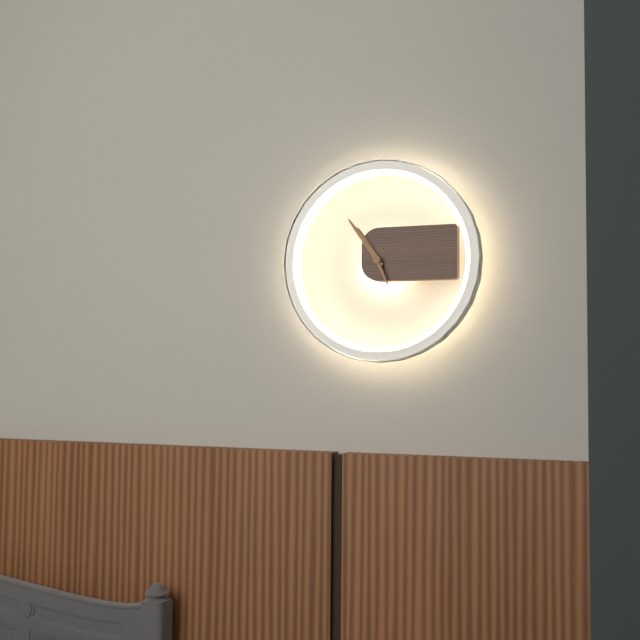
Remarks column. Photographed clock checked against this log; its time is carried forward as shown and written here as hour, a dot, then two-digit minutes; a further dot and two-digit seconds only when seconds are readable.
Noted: 10.54
